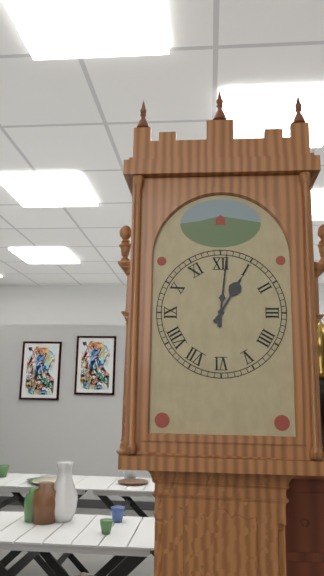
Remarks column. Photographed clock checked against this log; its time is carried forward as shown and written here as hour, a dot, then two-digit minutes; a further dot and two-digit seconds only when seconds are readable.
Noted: 1.01
